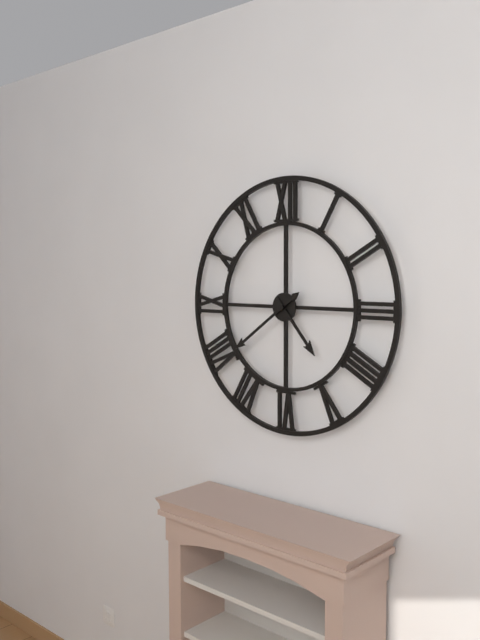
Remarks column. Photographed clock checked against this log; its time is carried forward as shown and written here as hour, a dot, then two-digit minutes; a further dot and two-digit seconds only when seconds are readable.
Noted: 4.39
